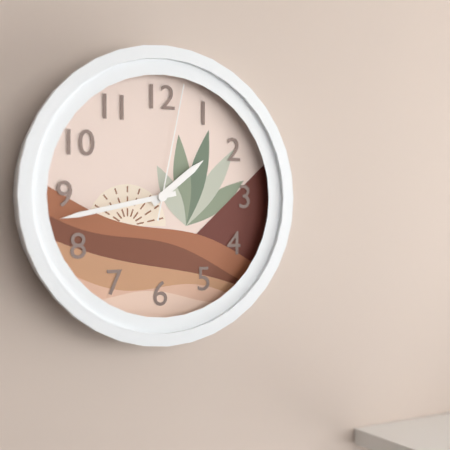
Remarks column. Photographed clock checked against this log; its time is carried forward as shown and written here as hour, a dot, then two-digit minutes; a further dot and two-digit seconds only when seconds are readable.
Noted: 1.43.02
